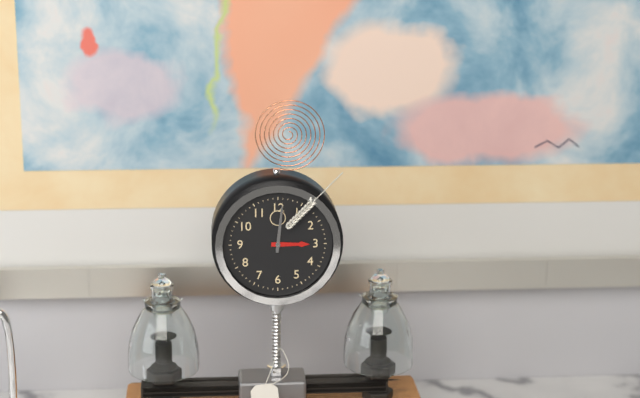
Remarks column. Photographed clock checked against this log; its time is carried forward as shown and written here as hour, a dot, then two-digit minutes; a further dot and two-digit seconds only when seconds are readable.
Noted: 3.01
